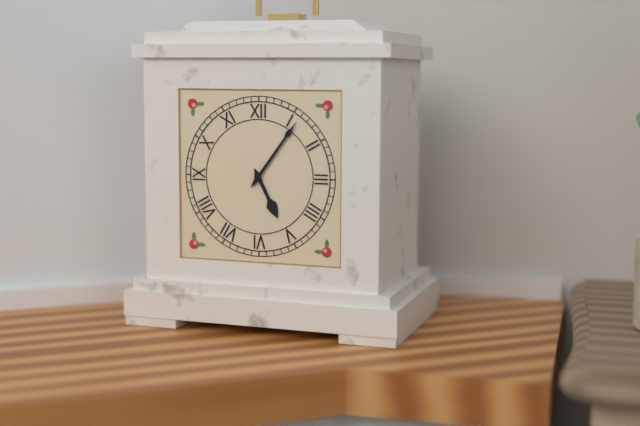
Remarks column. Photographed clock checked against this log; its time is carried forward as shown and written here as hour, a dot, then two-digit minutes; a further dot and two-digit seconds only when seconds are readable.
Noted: 5.06
